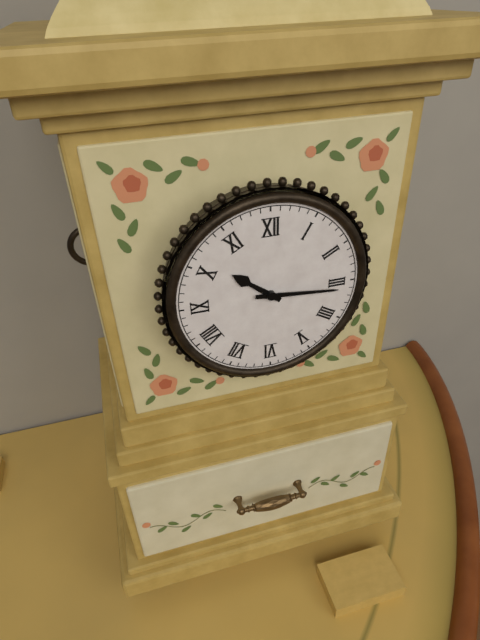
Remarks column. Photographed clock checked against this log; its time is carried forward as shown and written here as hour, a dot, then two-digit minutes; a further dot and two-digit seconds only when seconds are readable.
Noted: 10.16
